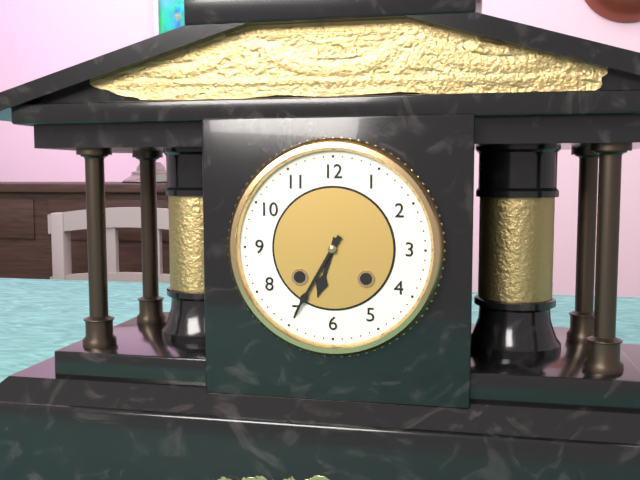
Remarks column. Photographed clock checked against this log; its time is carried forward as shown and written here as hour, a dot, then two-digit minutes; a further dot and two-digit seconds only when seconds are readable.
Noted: 6.35
